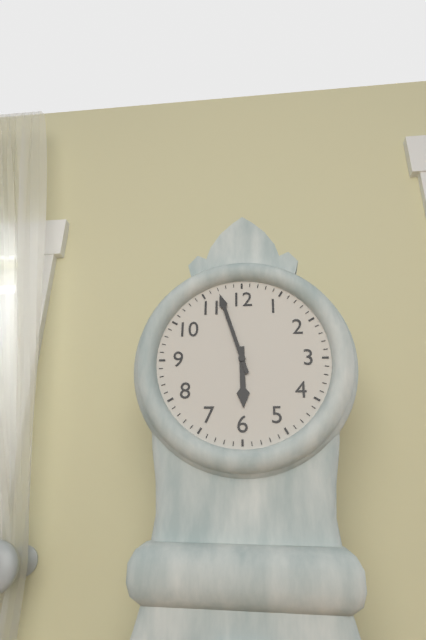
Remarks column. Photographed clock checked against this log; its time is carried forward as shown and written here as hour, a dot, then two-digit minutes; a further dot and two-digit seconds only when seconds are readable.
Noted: 5.57
